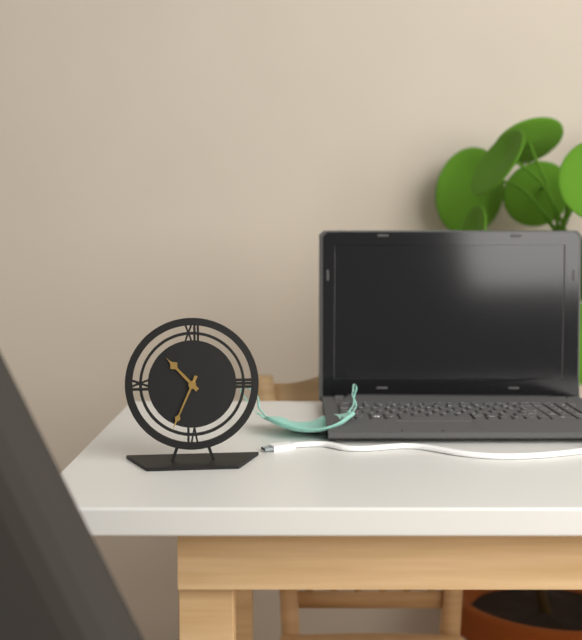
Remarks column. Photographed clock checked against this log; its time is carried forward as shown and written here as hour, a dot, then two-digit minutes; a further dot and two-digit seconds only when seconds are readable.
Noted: 10.34
